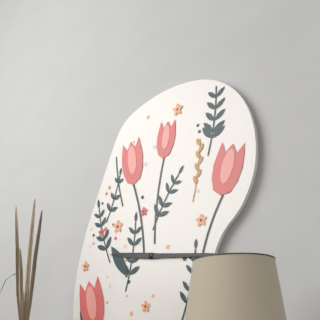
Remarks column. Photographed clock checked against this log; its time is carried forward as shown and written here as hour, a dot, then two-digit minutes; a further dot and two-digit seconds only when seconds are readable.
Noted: 9.16
